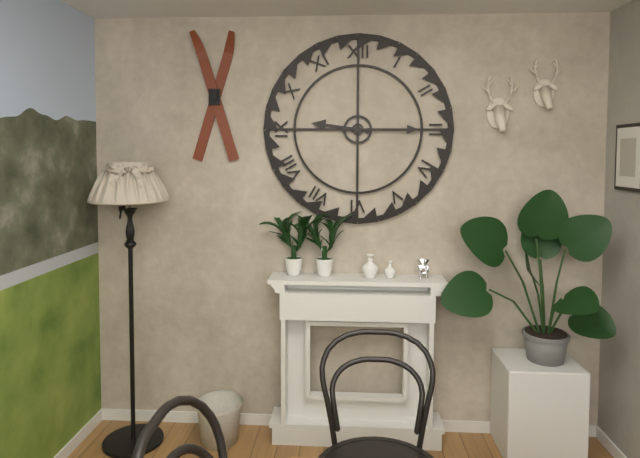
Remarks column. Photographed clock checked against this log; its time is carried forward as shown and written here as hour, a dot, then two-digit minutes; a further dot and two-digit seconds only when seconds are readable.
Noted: 9.15
